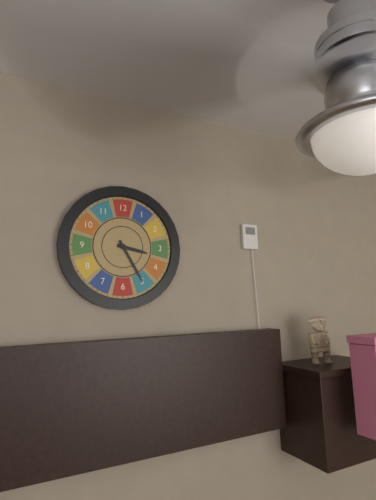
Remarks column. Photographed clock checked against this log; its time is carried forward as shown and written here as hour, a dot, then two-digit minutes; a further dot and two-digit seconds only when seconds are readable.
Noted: 3.25
